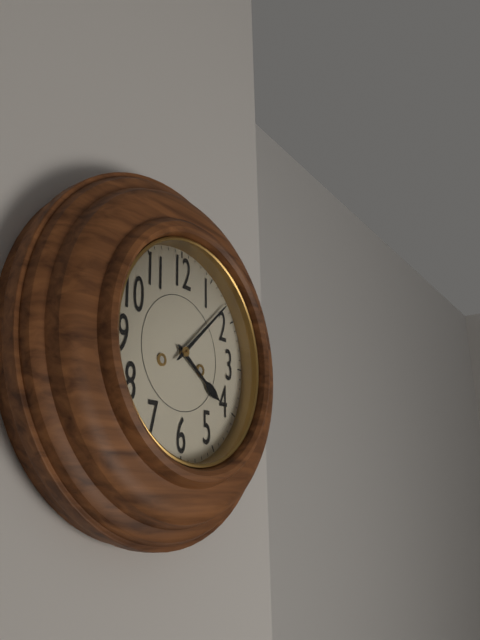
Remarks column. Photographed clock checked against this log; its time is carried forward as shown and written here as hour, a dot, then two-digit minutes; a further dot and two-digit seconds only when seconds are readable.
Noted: 4.08
